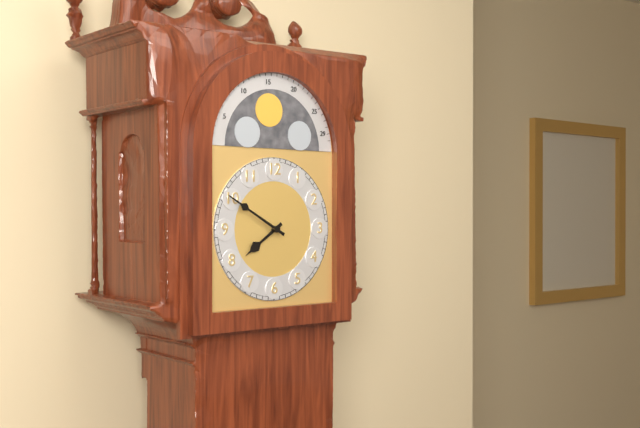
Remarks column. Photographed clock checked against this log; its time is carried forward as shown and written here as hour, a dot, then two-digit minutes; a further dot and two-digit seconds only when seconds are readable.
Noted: 7.50
